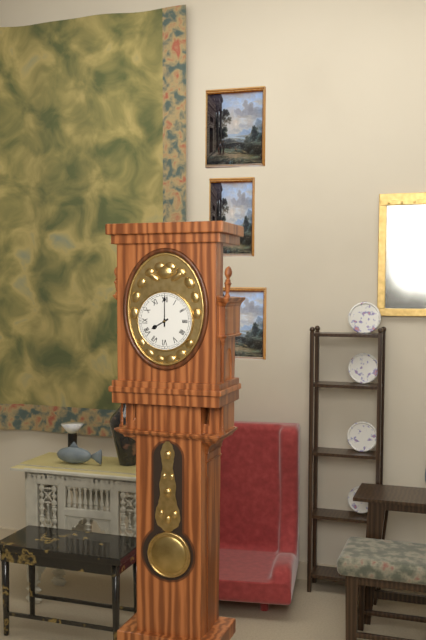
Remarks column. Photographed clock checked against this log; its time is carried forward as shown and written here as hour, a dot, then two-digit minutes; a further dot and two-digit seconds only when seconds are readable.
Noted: 8.00
